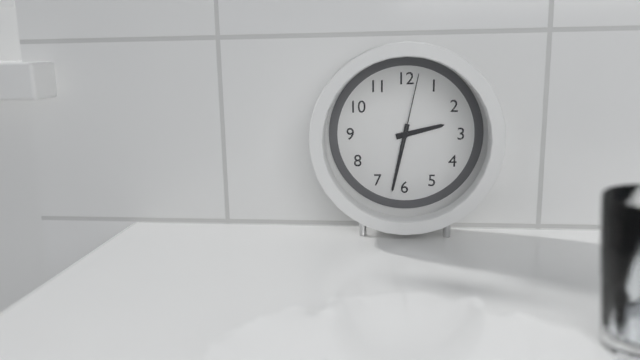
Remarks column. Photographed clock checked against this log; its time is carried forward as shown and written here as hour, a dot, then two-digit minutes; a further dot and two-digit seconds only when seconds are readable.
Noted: 2.32.02
